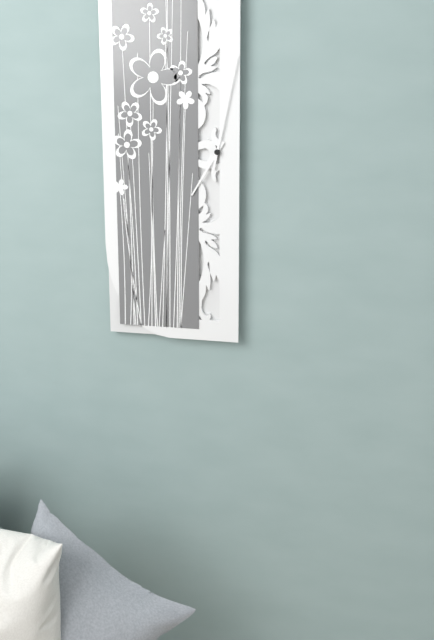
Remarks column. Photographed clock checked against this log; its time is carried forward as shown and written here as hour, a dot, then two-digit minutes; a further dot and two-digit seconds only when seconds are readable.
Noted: 7.02
